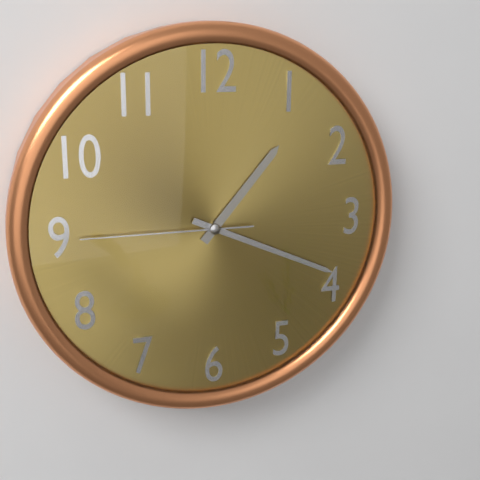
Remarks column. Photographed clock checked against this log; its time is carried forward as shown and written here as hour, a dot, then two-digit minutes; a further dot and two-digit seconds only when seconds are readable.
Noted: 1.19.45
